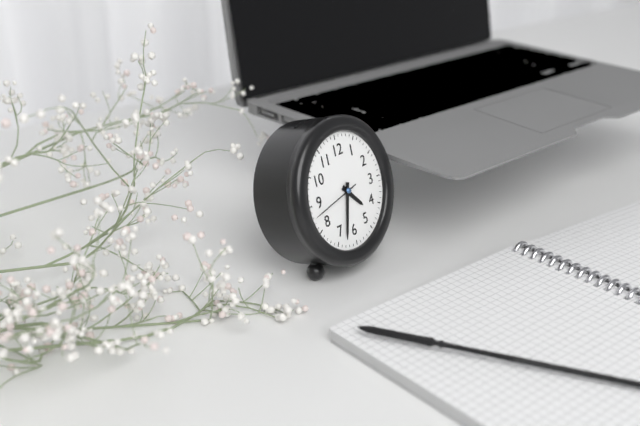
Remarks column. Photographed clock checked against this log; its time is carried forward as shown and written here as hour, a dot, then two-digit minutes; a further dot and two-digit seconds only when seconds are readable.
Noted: 4.33.43
